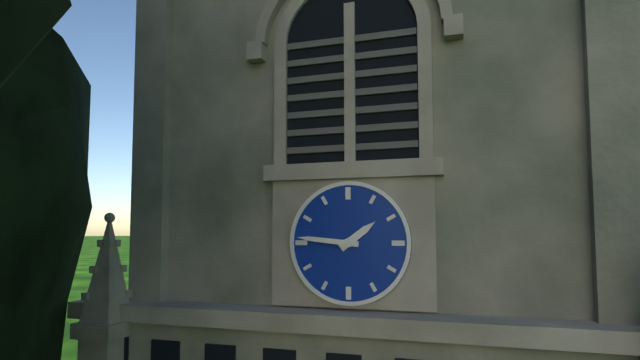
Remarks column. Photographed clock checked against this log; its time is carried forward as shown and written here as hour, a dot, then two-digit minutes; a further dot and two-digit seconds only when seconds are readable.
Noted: 1.46
